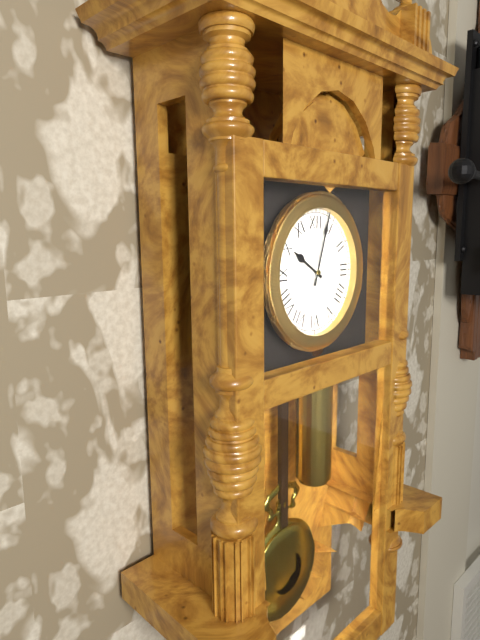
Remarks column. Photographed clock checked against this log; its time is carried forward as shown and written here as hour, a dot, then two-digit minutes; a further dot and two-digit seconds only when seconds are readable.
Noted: 10.03
